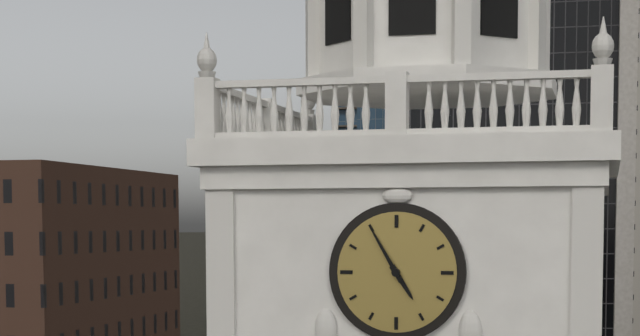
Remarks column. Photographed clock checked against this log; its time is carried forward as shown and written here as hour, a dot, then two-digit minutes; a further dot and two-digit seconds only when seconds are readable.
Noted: 4.55
